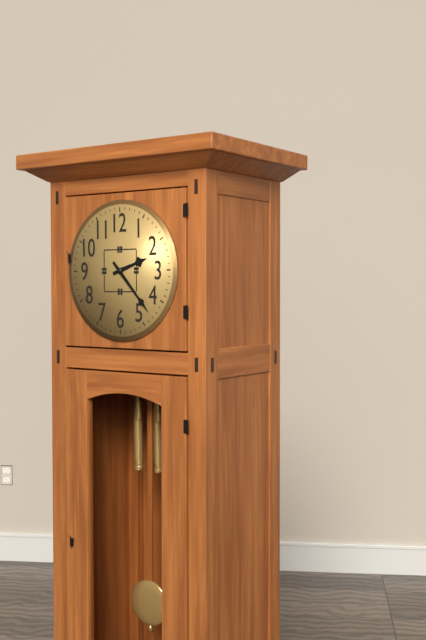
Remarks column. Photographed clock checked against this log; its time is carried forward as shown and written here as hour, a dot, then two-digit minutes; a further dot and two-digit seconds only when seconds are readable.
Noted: 2.23
